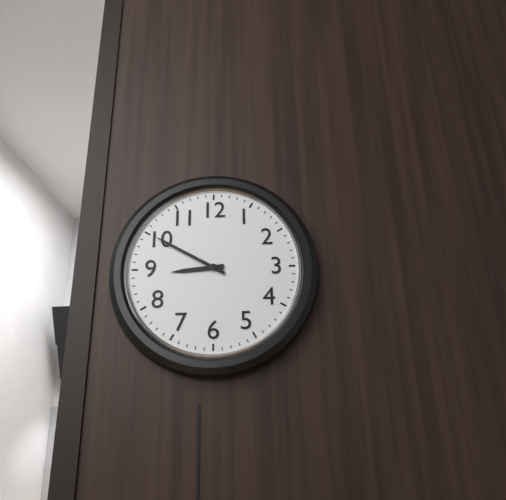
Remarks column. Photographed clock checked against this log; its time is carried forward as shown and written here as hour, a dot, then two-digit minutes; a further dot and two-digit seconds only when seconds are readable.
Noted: 8.50
